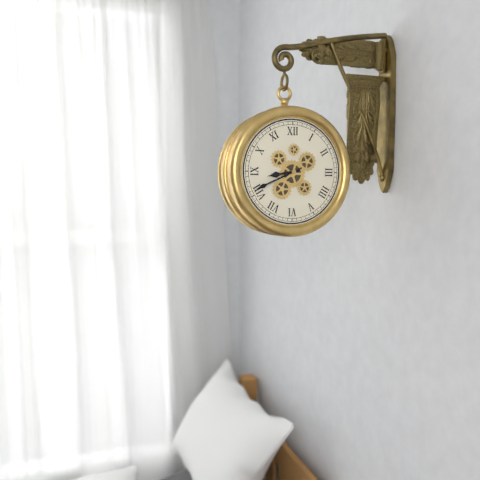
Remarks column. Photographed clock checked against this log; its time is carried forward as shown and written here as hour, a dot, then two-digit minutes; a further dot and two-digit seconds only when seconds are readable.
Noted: 8.41
